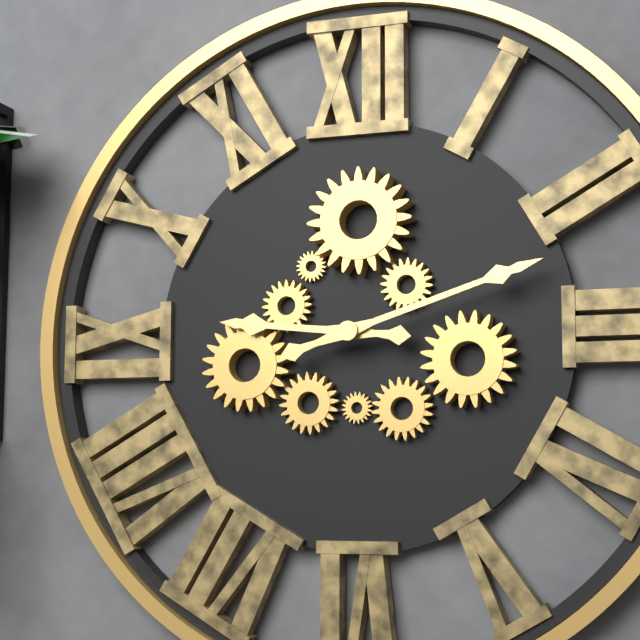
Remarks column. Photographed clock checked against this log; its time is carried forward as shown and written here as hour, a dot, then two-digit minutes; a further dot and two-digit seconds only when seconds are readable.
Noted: 9.12
